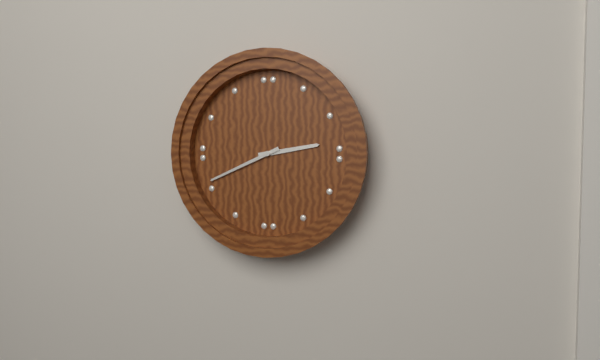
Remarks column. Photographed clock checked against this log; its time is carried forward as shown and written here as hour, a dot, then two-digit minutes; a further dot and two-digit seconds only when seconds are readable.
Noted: 2.41
